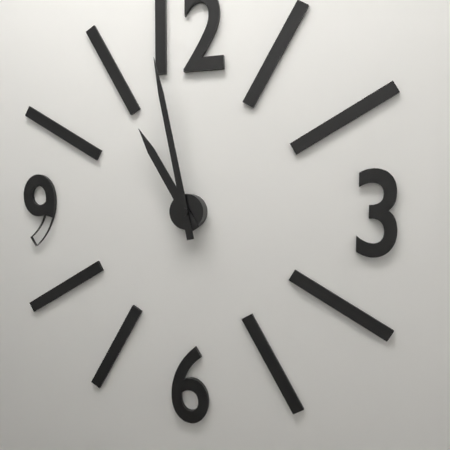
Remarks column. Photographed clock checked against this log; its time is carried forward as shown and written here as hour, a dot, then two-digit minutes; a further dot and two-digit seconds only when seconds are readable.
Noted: 10.58
